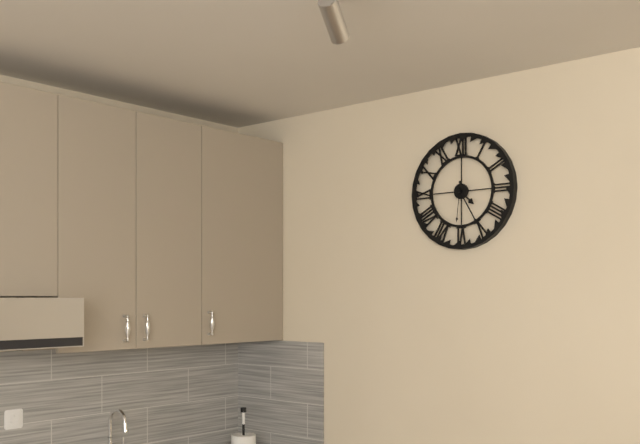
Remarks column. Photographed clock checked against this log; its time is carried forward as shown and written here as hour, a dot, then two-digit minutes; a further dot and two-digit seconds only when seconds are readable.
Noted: 4.25
